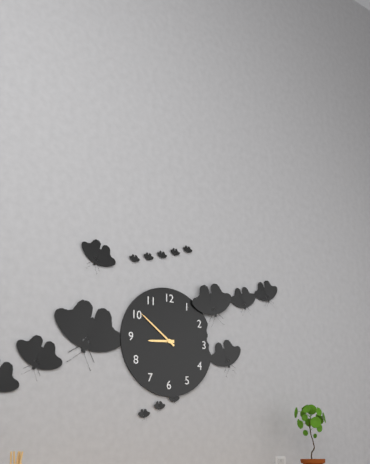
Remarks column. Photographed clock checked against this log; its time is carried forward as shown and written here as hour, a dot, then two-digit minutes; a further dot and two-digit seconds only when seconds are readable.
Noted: 8.51
